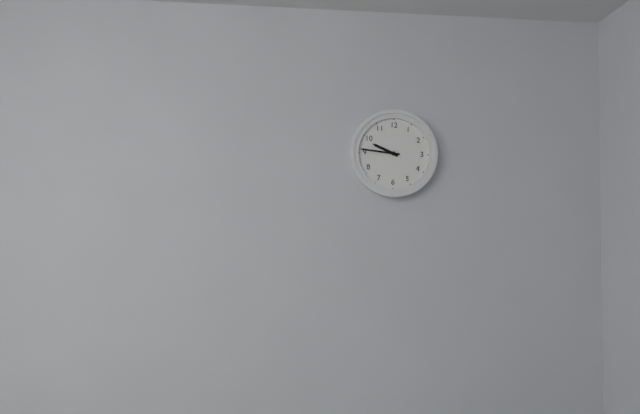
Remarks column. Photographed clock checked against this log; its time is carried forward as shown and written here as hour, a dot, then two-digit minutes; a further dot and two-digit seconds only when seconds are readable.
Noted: 9.46
